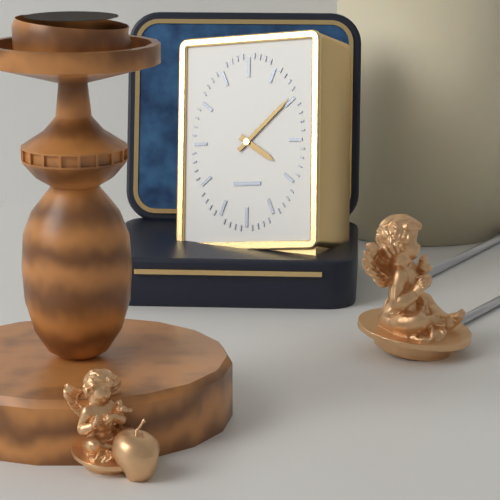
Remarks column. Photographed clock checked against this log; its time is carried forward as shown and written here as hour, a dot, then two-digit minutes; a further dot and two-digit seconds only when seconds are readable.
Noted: 4.08
